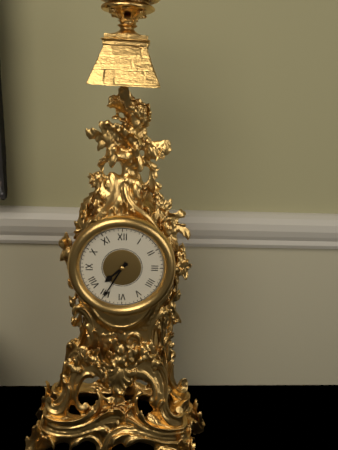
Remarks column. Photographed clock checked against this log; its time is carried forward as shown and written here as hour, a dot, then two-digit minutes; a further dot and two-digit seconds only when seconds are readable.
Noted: 7.35
